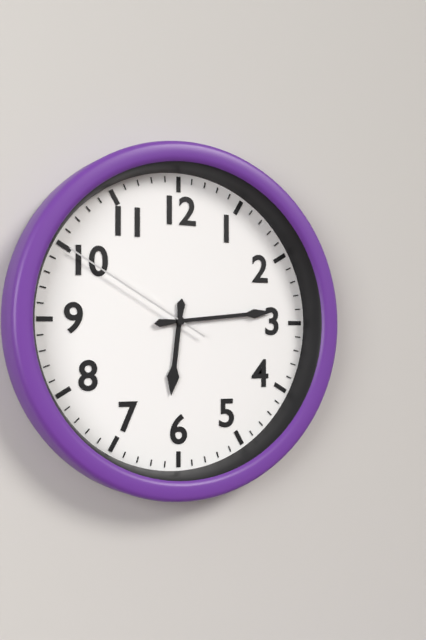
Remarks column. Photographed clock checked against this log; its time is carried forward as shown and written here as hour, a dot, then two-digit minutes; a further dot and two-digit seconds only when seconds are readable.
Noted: 6.14.50
